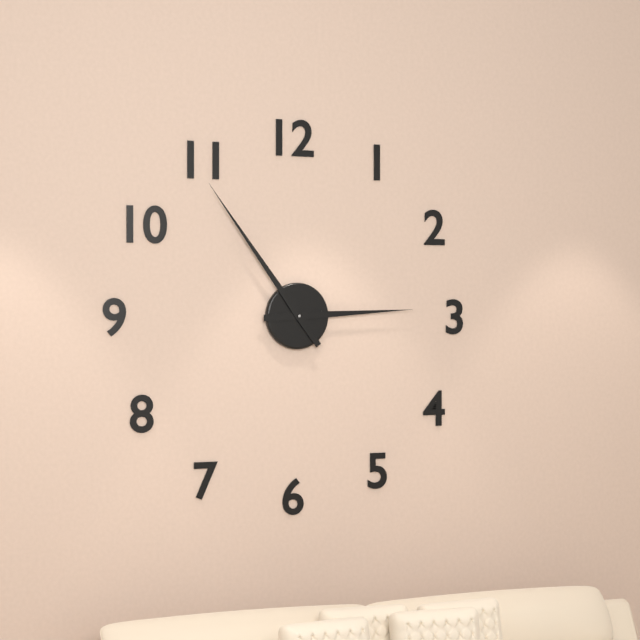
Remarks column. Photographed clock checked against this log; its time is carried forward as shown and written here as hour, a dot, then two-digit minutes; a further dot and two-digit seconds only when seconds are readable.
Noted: 2.54
